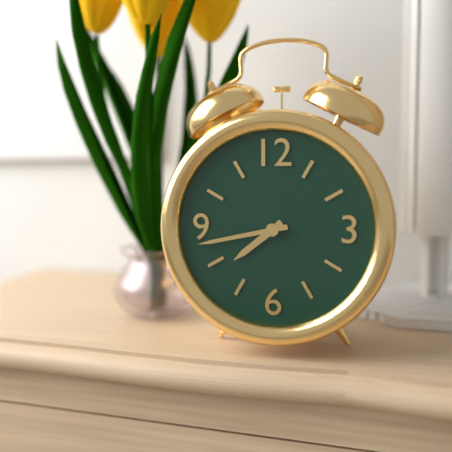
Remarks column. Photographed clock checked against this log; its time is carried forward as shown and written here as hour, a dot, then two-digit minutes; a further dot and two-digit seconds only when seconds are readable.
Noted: 7.43
